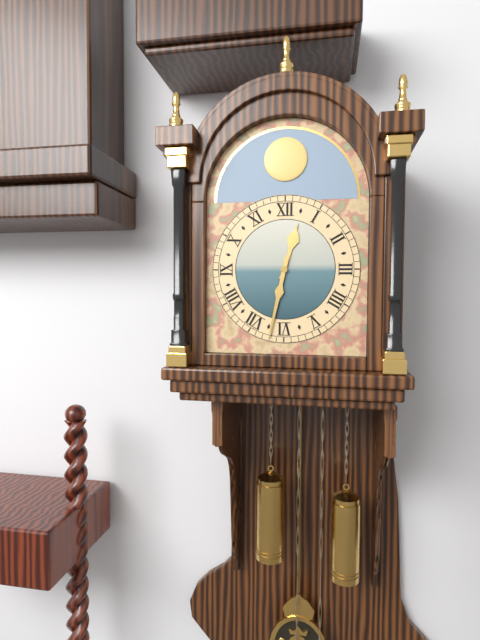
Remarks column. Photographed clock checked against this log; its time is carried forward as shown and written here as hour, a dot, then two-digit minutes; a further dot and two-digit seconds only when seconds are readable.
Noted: 12.32
